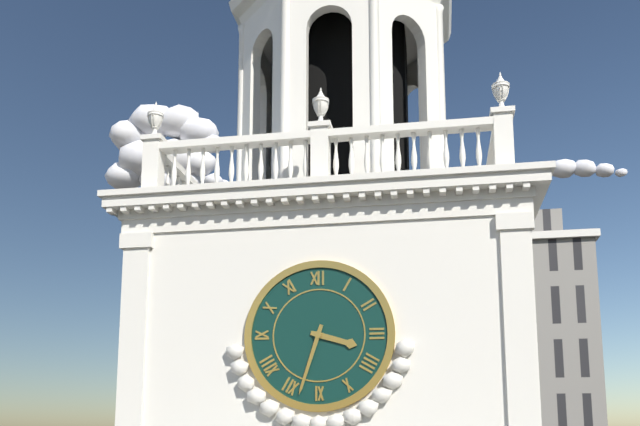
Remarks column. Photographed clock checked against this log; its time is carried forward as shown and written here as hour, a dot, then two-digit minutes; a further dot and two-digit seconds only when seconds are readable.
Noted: 3.33
